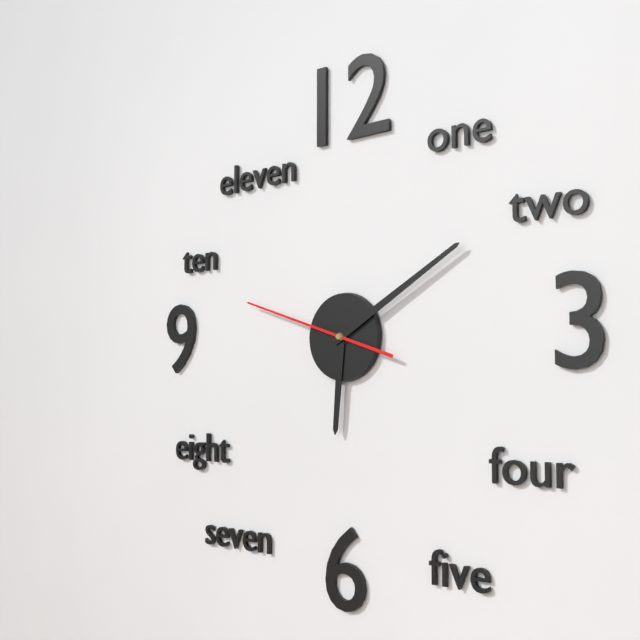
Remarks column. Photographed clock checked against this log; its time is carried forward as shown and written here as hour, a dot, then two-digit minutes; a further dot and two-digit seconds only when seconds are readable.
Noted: 6.10.48
